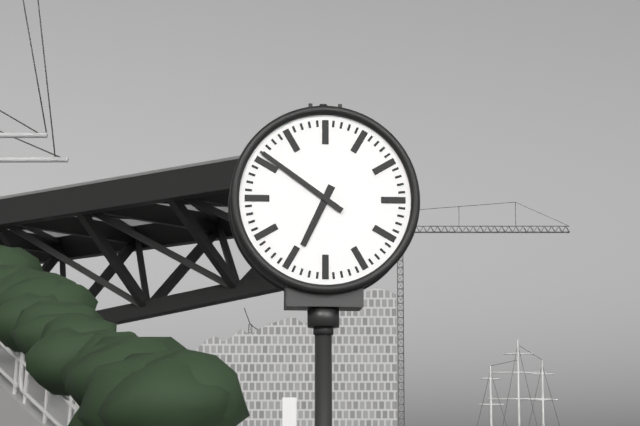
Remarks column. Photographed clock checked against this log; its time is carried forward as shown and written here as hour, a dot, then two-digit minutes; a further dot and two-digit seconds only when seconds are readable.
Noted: 6.51
